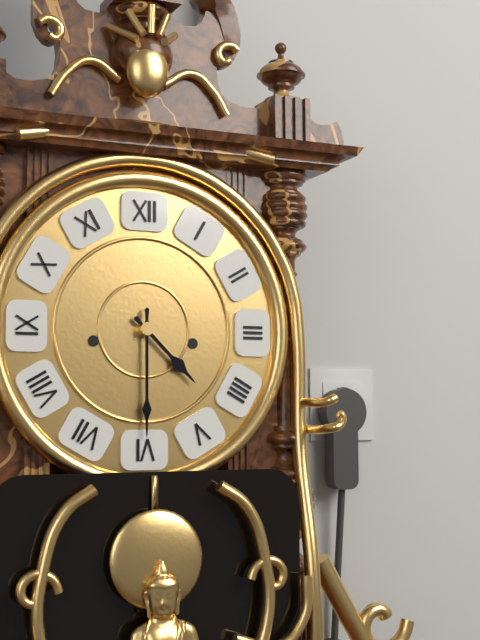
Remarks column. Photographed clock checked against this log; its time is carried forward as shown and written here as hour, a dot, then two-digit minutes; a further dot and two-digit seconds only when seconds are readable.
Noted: 4.30
